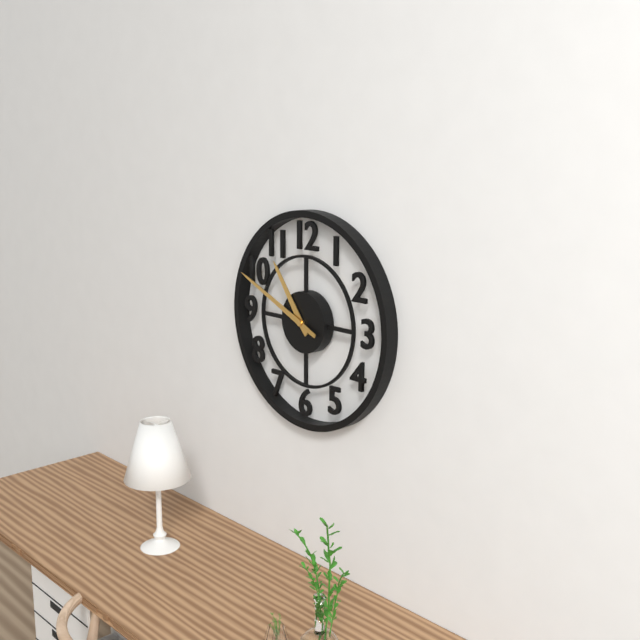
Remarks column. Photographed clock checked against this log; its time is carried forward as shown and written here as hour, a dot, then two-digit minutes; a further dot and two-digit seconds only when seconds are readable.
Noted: 10.49
